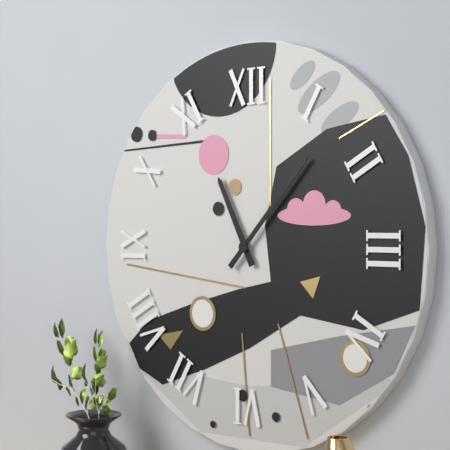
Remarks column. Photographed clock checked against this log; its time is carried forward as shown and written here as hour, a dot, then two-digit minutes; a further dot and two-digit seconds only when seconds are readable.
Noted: 11.07
